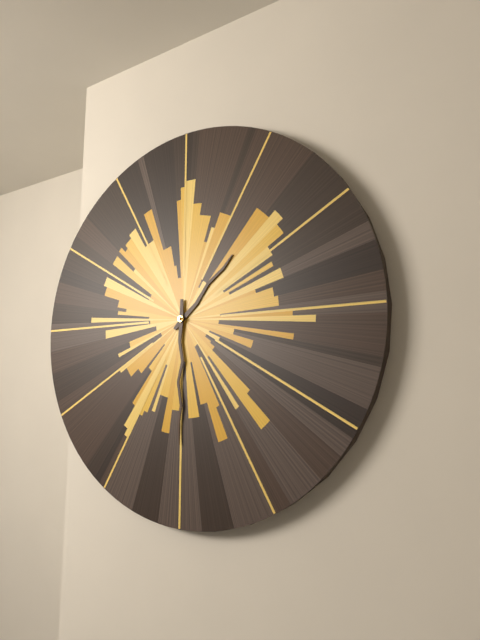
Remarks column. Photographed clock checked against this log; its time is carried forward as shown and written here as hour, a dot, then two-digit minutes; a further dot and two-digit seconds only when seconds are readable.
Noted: 1.30
